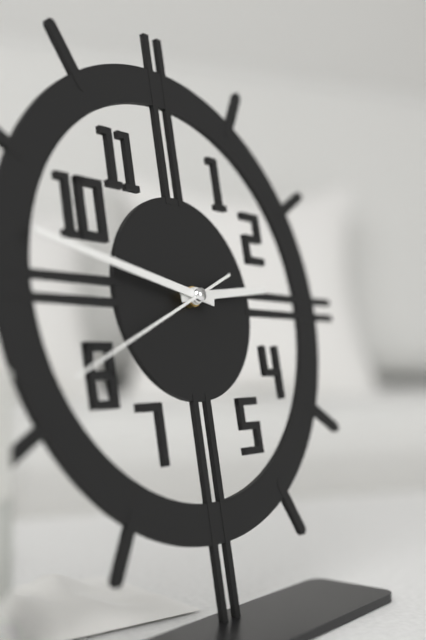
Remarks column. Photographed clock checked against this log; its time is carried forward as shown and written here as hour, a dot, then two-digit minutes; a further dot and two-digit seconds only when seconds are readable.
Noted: 2.47.41
